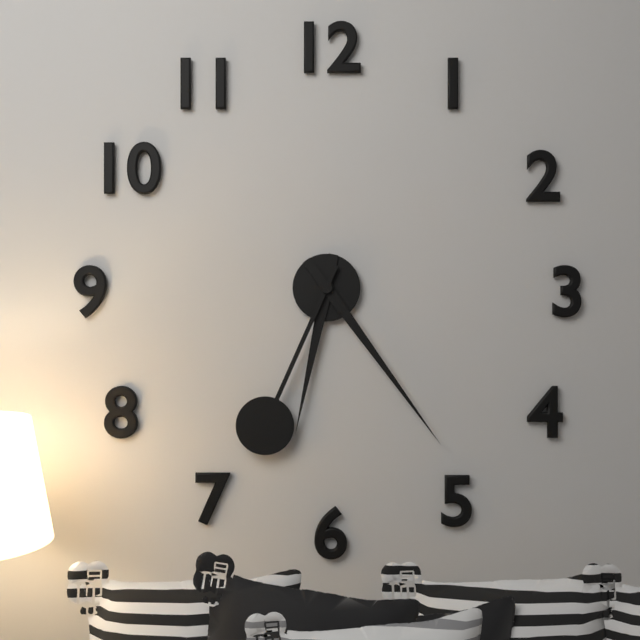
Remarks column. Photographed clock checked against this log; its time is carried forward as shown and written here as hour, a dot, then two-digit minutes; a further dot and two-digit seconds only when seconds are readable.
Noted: 6.24.34
